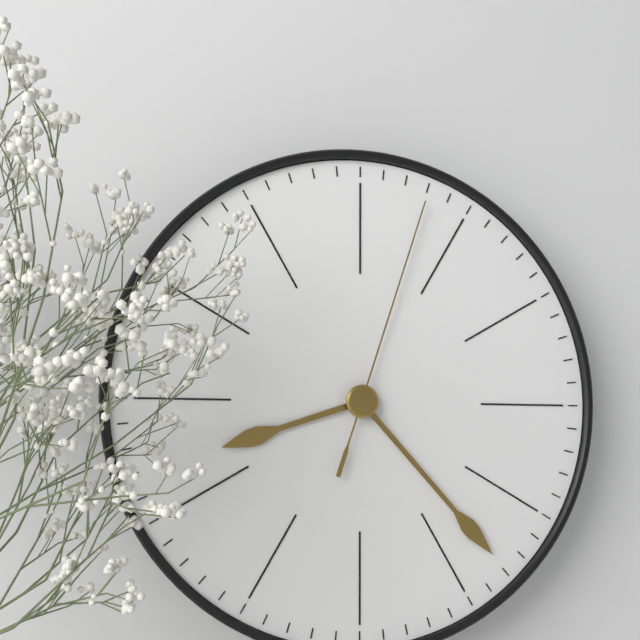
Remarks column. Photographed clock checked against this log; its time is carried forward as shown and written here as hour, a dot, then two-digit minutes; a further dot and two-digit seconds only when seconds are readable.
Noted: 8.23.03
